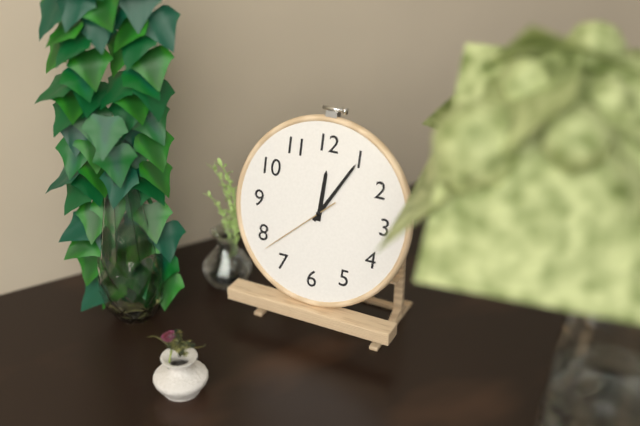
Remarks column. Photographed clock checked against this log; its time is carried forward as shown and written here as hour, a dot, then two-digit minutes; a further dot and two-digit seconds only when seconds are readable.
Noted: 12.05.38
